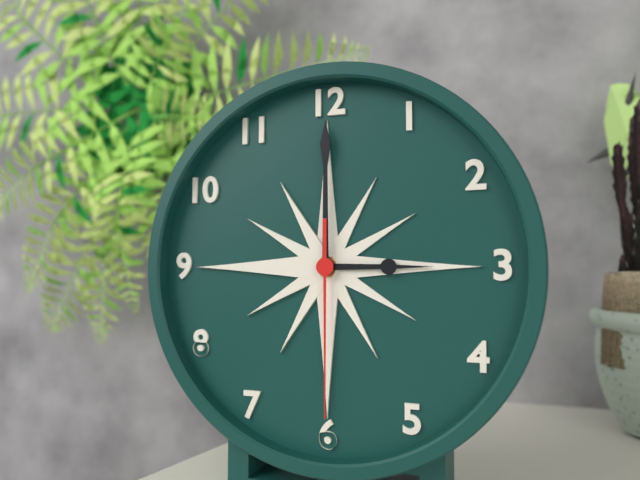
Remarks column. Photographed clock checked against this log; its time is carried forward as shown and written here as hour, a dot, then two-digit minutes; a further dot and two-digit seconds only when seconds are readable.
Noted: 3.00.30
